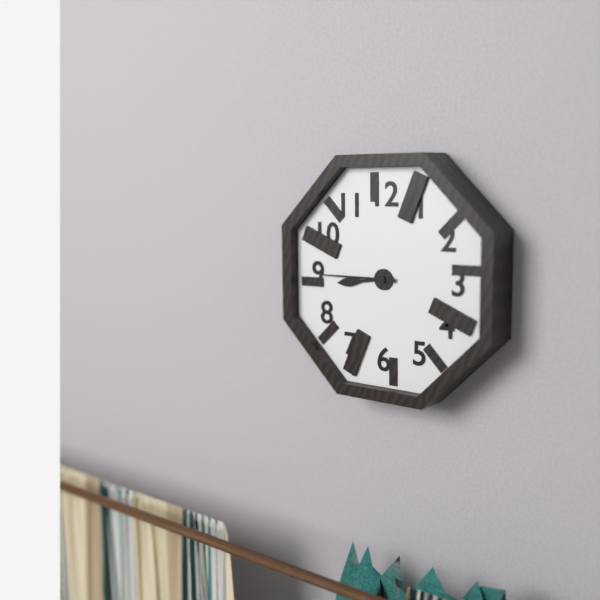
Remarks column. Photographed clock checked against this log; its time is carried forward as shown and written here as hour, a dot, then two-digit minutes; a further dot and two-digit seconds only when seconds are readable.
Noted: 8.45
